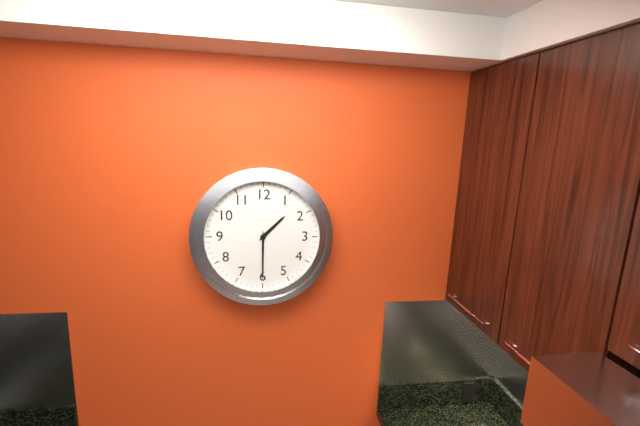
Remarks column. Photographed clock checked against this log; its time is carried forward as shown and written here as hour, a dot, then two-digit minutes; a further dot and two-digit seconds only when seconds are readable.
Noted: 1.30
